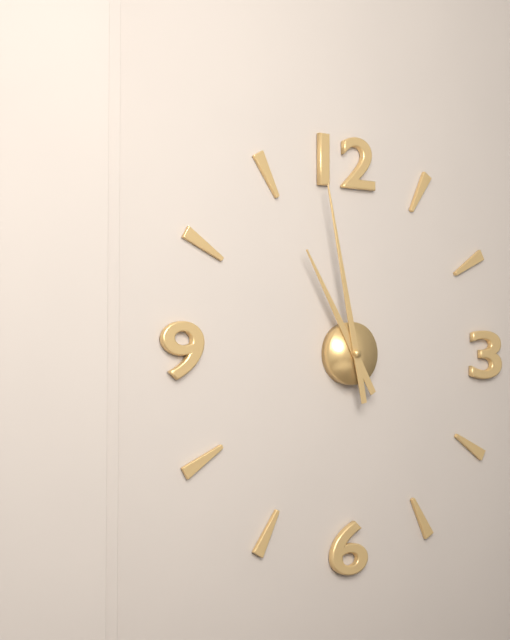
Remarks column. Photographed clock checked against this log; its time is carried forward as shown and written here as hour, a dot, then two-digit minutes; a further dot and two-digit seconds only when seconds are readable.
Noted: 10.58
